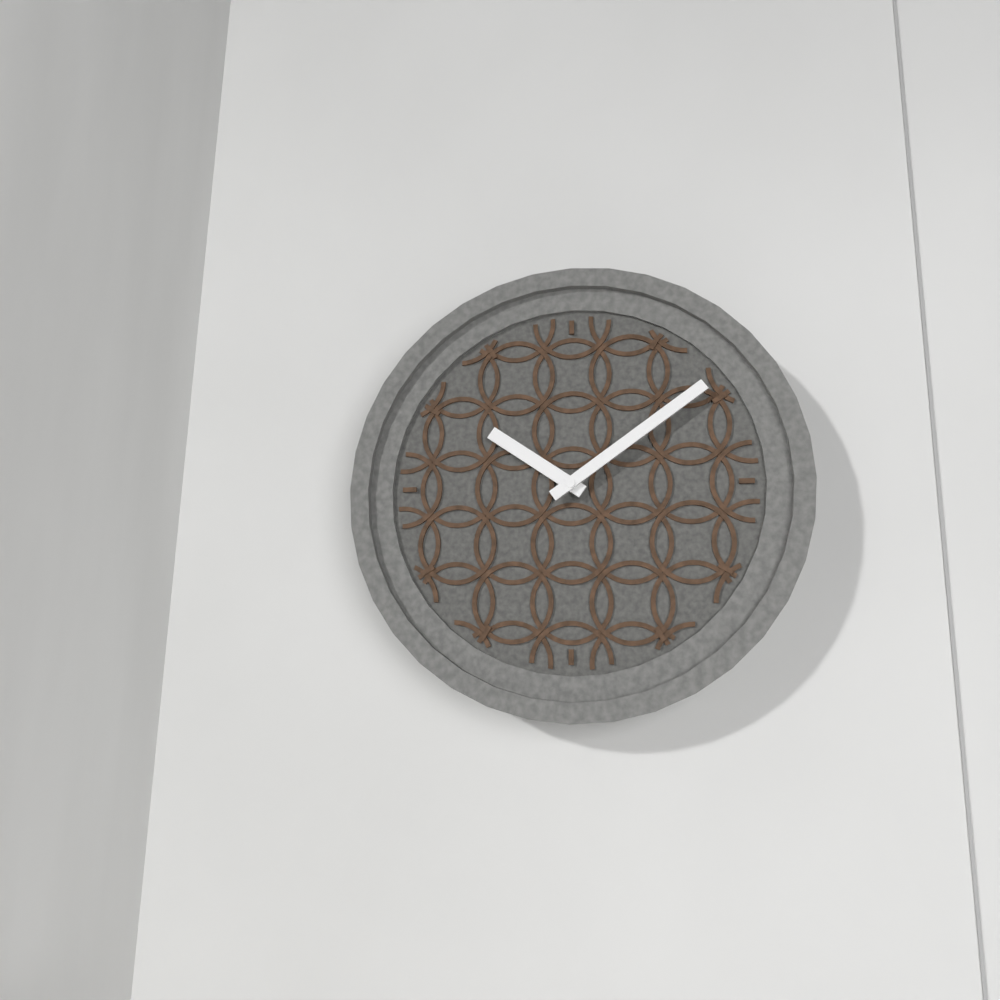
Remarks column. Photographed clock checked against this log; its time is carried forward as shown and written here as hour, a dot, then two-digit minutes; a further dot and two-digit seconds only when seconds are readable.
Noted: 10.09
